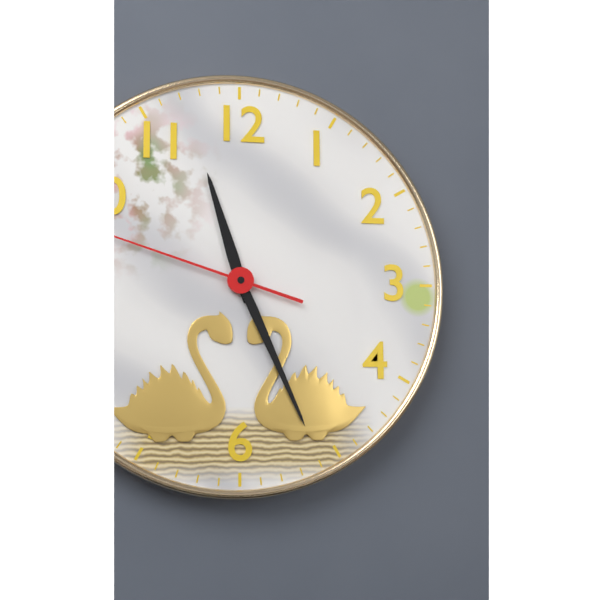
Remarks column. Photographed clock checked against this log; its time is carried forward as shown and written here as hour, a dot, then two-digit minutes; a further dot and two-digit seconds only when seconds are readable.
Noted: 11.26.48
